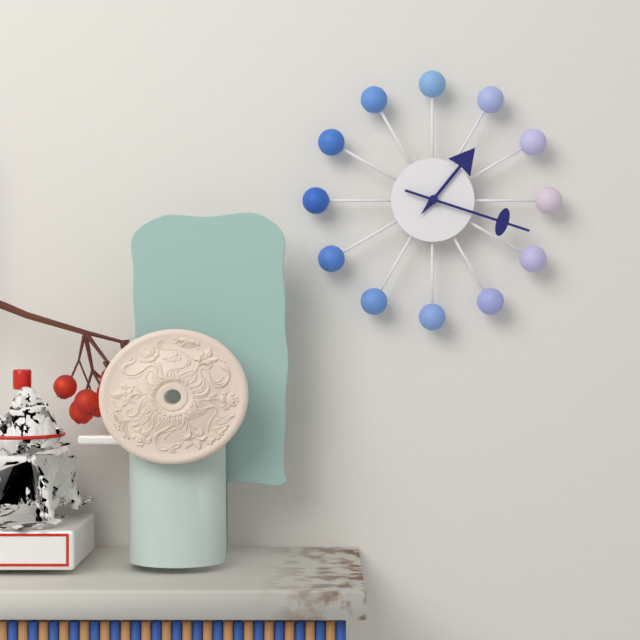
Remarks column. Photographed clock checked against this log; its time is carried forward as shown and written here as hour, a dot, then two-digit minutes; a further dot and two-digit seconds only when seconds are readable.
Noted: 1.18
